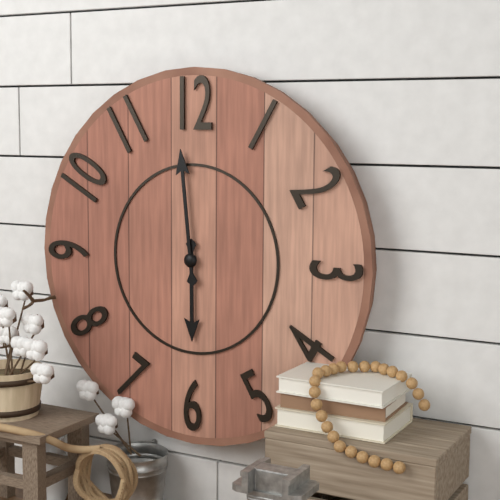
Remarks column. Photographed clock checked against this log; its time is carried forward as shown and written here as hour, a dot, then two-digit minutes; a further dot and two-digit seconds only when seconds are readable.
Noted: 5.59
